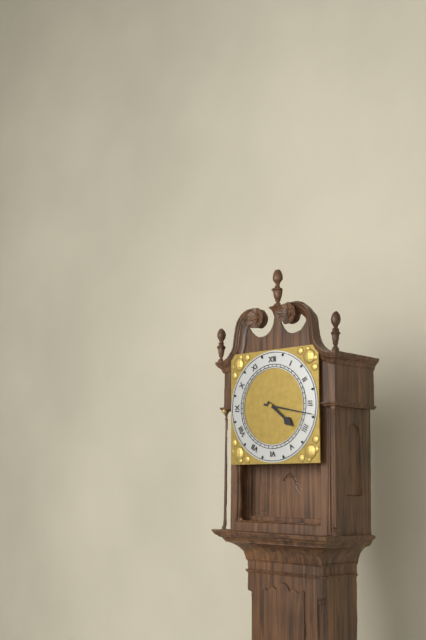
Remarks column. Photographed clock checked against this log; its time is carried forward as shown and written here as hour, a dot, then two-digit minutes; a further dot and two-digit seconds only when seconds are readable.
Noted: 4.17
